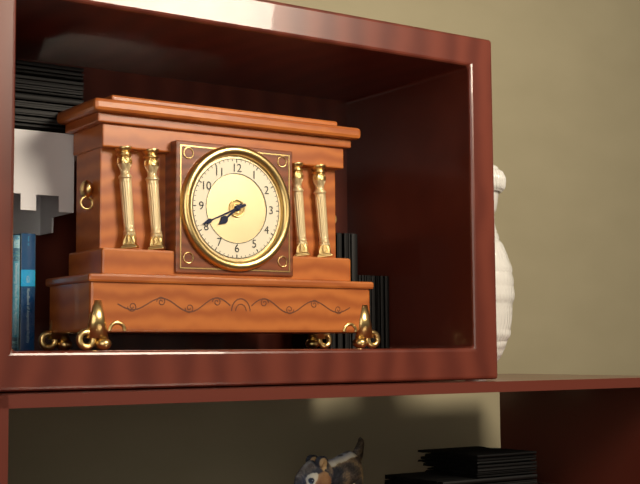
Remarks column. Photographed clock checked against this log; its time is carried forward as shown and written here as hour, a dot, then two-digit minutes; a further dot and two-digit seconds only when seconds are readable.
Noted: 7.41
